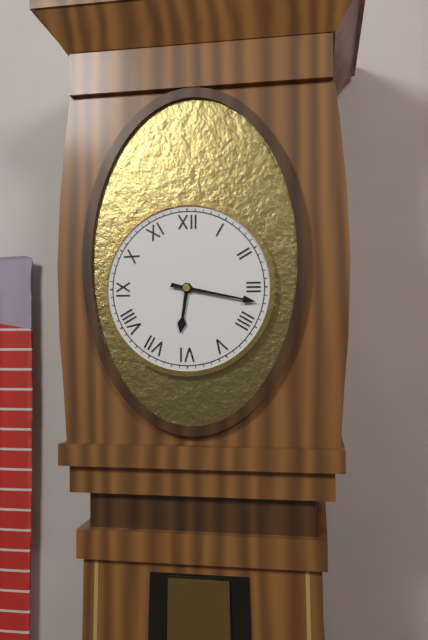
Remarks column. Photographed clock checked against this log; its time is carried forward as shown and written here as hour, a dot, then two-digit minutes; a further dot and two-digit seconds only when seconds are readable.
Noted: 6.17
